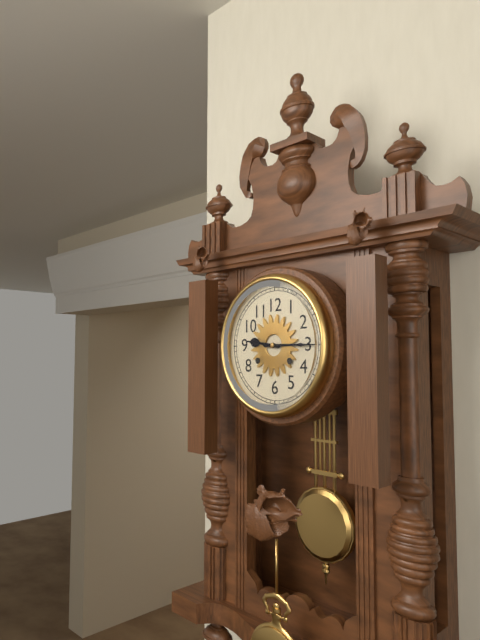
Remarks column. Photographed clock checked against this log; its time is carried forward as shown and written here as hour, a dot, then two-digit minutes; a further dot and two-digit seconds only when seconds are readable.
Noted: 9.15
